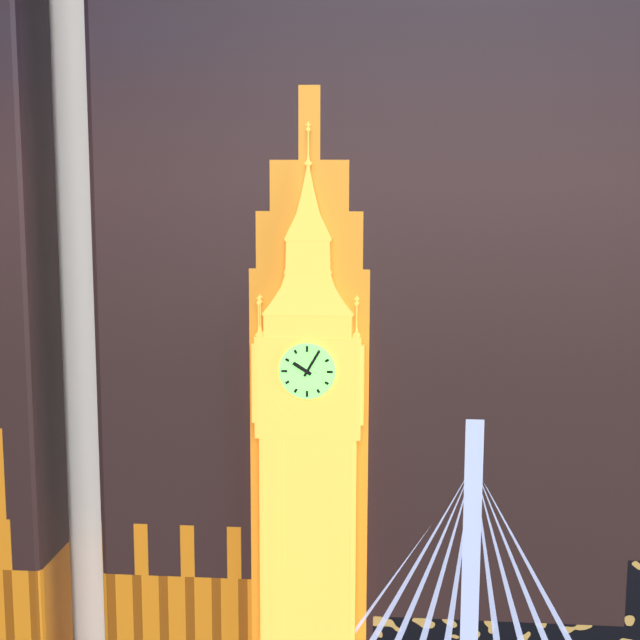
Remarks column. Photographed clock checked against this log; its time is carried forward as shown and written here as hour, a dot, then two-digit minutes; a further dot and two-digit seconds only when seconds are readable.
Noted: 10.05
